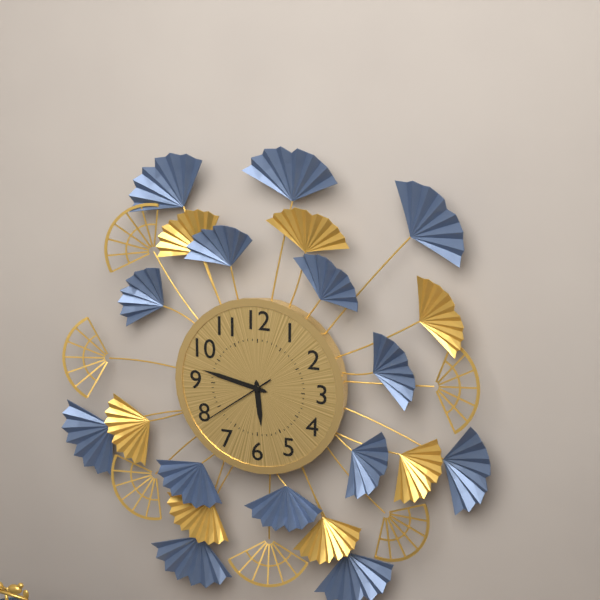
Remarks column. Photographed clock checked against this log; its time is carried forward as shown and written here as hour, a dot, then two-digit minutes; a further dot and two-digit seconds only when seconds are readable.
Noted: 5.47.39
